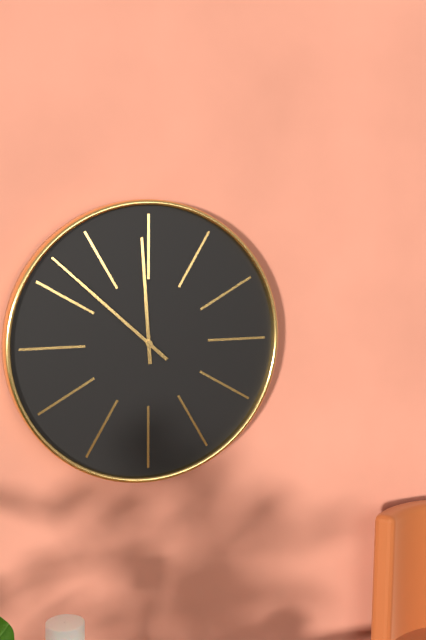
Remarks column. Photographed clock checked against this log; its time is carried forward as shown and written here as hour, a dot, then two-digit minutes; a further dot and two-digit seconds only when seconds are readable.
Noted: 11.52
